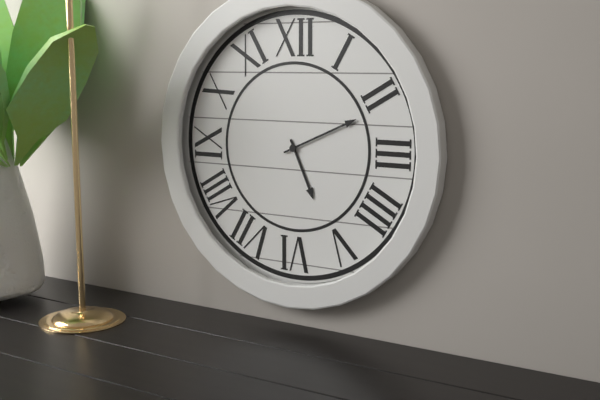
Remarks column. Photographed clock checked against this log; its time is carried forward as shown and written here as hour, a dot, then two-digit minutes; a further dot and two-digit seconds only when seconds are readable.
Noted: 5.11
